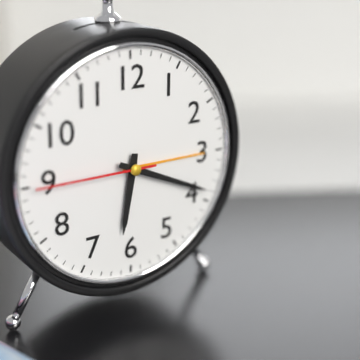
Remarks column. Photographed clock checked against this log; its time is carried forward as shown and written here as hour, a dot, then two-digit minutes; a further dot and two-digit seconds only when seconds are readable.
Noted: 6.19.45
